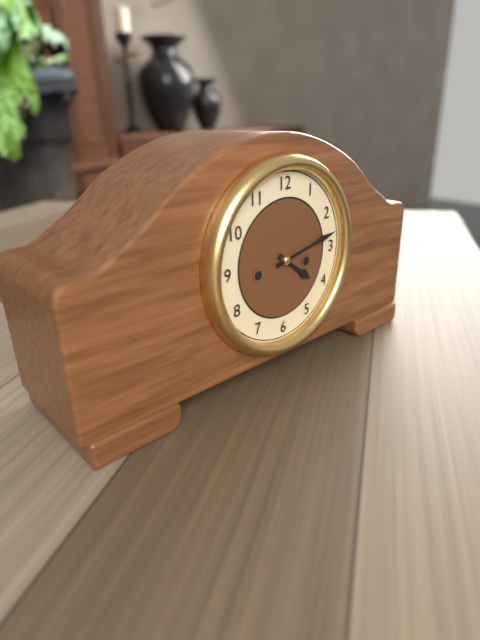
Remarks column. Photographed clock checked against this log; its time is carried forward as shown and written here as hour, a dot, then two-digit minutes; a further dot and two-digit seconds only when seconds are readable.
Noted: 4.13
